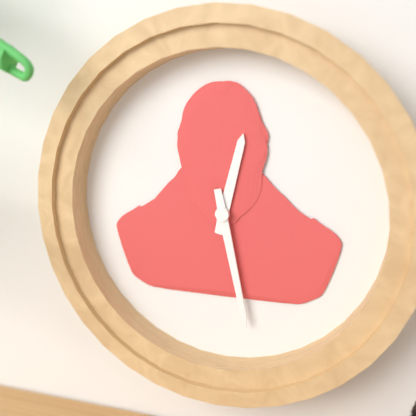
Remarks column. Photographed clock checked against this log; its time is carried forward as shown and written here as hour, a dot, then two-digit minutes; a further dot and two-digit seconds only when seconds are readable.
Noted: 12.28
